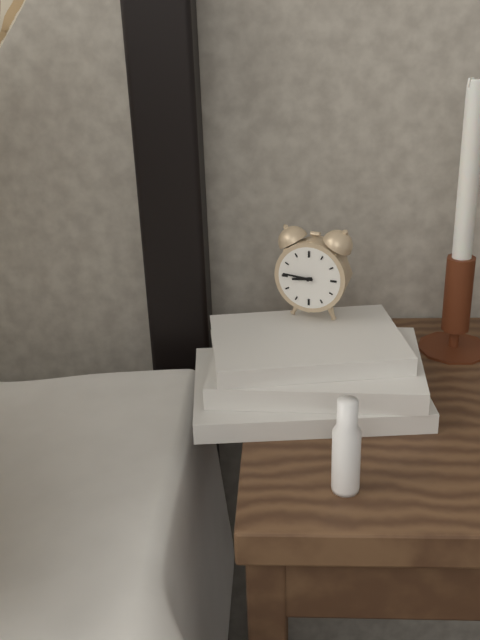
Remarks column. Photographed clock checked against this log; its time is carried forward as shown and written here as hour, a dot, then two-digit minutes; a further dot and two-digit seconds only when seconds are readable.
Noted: 8.46
